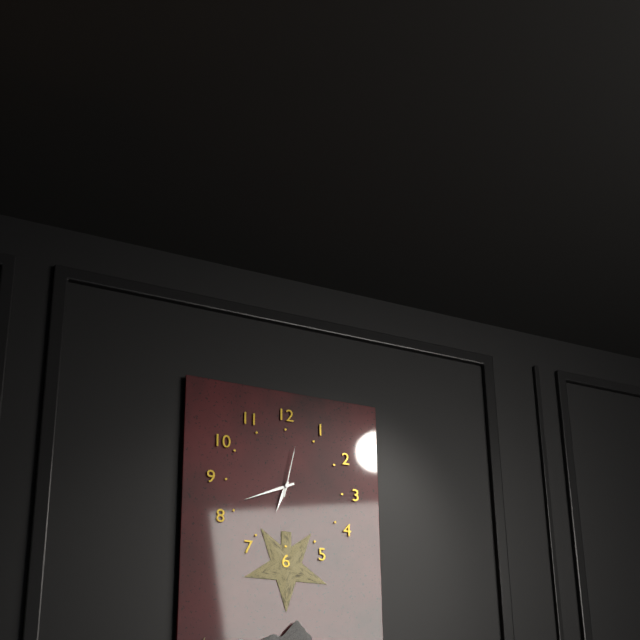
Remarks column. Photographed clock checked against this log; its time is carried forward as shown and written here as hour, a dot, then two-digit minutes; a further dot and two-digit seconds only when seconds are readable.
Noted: 6.41.02
